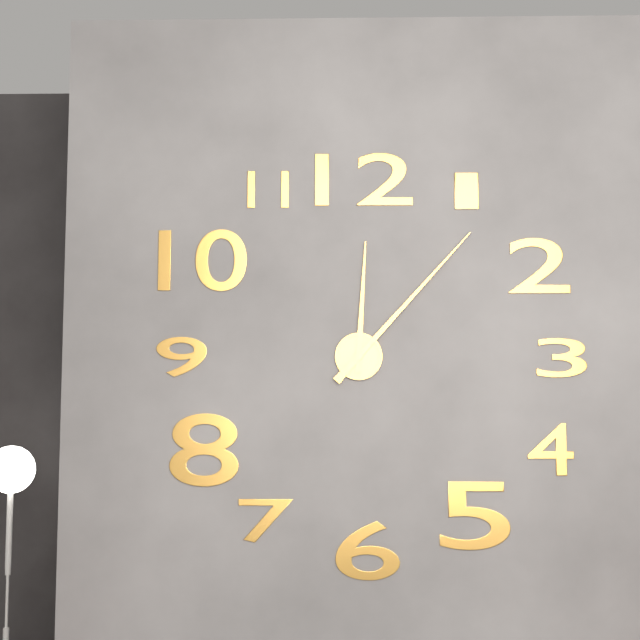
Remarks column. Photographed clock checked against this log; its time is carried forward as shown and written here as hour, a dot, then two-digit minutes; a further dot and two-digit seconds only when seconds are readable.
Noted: 12.07
